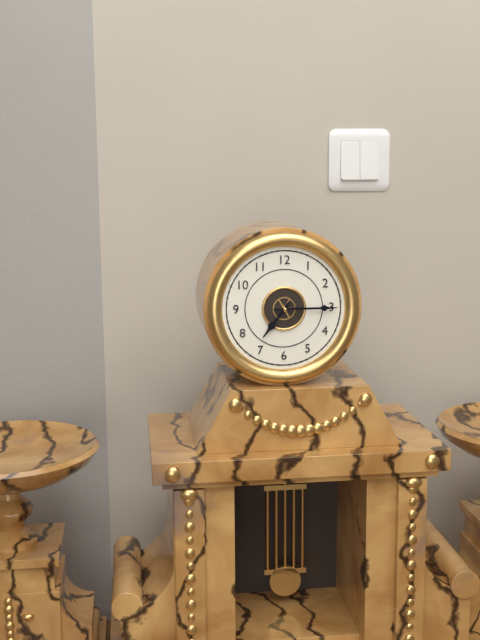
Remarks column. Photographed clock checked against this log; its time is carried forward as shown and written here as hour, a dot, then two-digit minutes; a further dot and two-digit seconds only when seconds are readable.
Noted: 7.15
